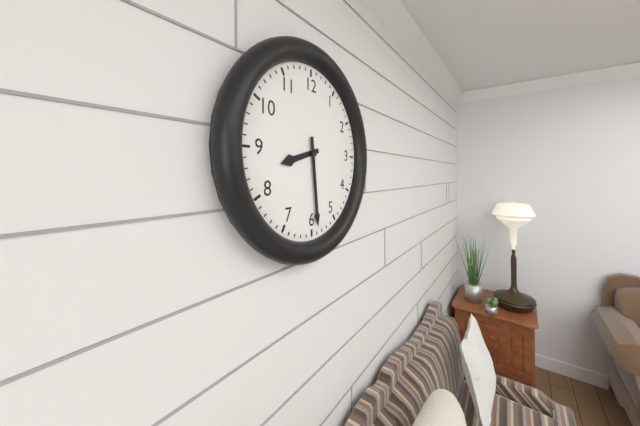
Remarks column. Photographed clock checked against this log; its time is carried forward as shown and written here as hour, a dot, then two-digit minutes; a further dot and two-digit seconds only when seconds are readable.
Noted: 8.29
